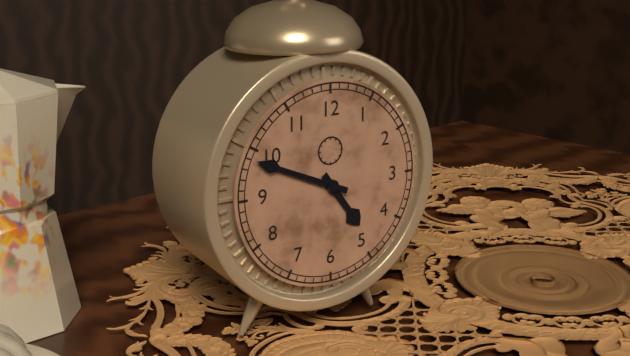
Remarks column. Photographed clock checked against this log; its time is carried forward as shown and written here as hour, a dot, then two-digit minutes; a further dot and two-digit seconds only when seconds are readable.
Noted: 4.49
